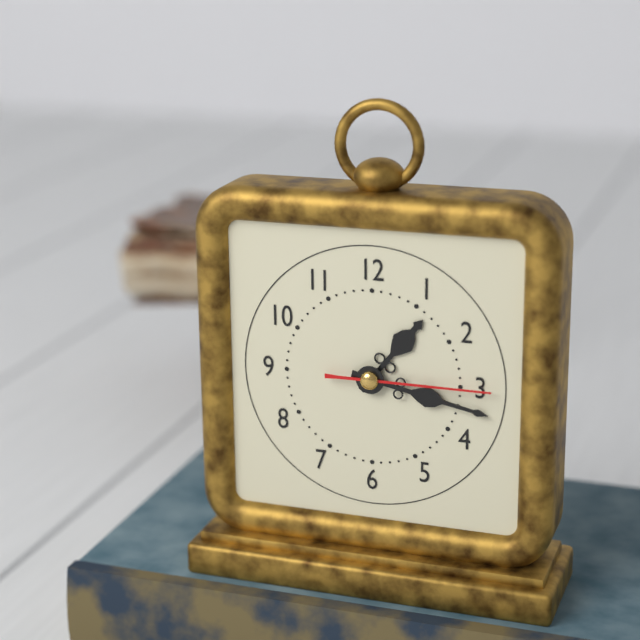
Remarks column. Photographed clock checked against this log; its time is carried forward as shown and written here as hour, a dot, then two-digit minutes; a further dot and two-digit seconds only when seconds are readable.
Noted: 1.17.15
